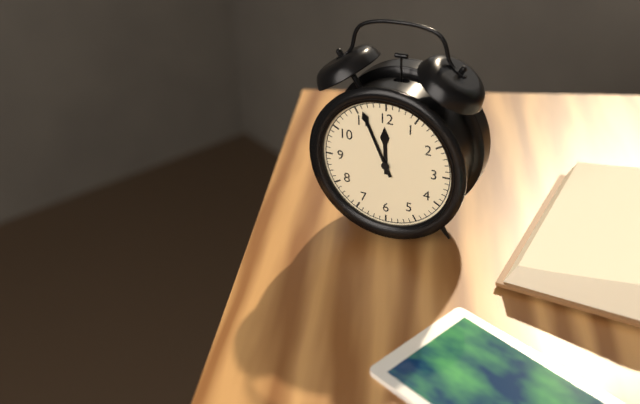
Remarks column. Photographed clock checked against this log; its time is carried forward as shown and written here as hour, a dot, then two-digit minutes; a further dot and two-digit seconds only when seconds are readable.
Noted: 11.56
